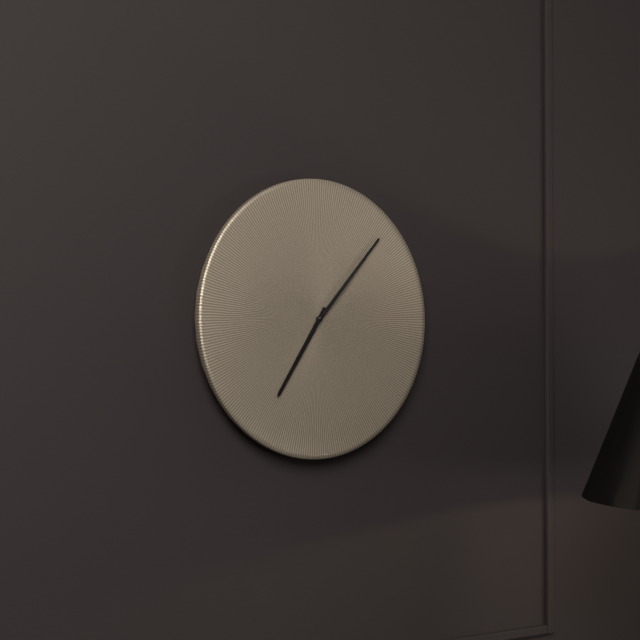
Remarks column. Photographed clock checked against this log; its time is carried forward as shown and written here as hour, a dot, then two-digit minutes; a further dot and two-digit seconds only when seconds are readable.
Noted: 7.07
